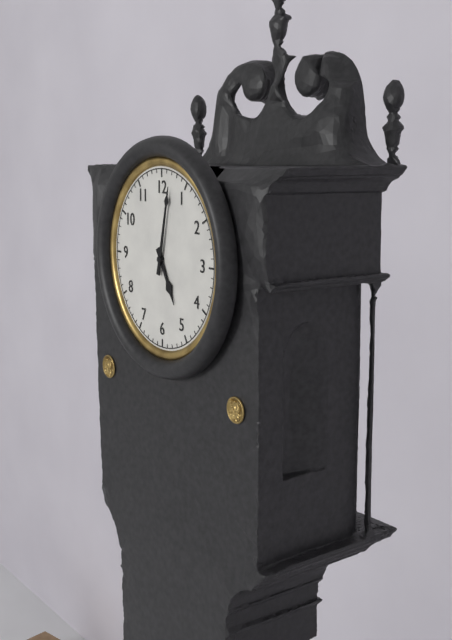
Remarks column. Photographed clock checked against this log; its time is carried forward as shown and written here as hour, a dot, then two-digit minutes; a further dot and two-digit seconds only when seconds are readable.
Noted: 5.02
